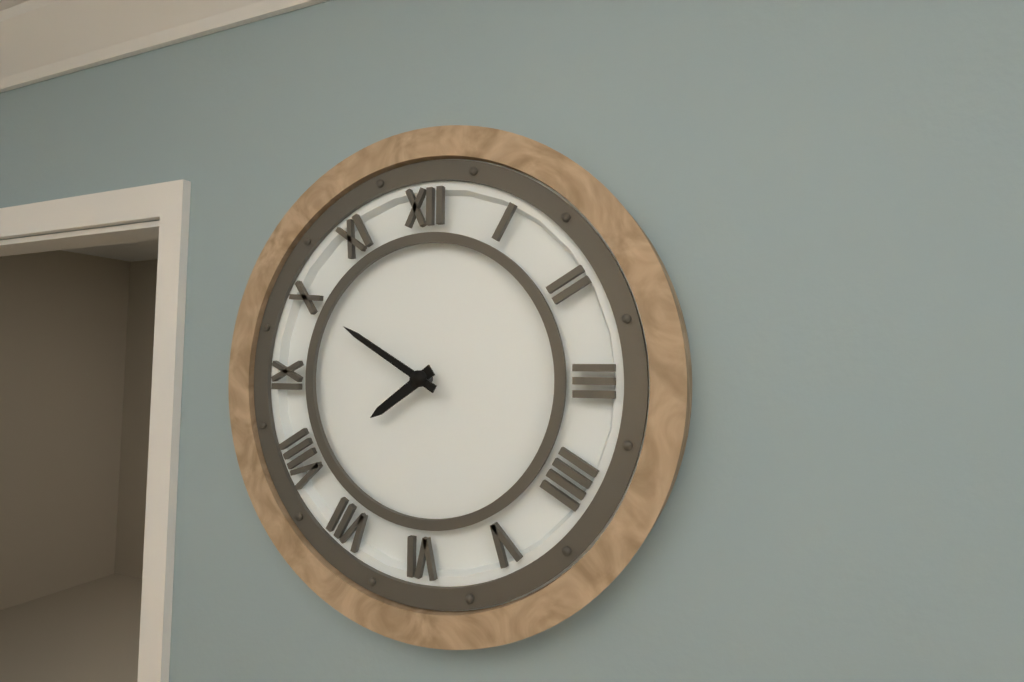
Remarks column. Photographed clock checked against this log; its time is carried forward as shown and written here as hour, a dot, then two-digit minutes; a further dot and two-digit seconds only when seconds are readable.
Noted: 7.50
